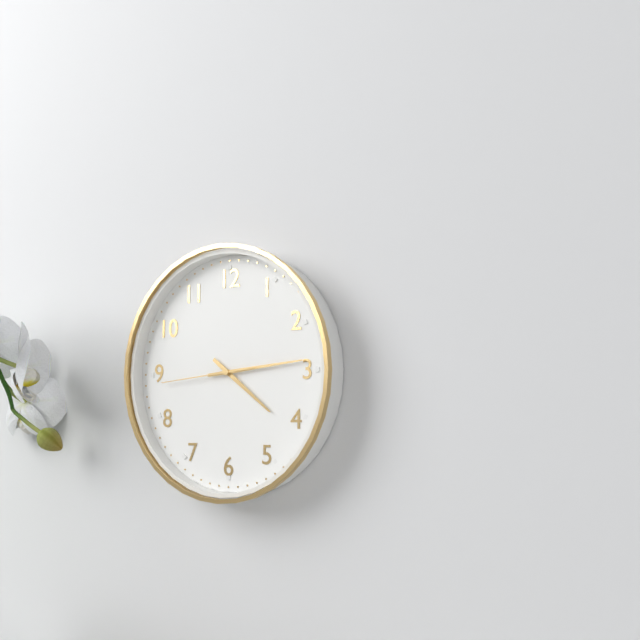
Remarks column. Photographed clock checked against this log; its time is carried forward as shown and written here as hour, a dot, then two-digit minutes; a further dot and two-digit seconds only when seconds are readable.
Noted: 4.14.44
